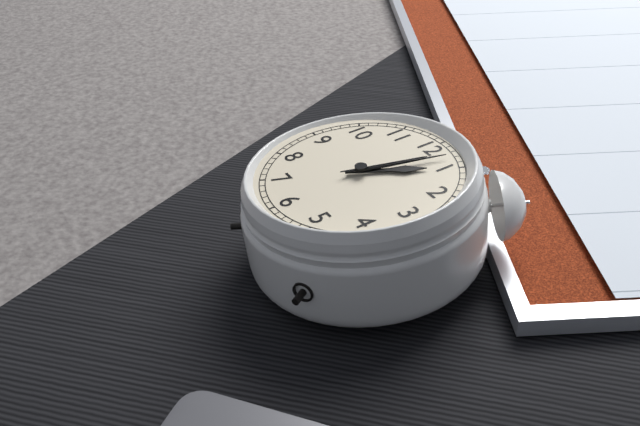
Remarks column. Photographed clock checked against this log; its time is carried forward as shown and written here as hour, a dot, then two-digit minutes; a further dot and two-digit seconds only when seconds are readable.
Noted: 1.03.03
